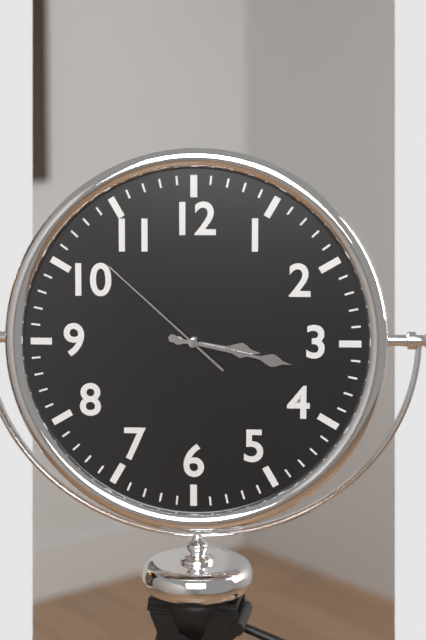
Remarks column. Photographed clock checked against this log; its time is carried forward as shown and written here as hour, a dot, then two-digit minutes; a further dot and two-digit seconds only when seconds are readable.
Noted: 3.17.52
